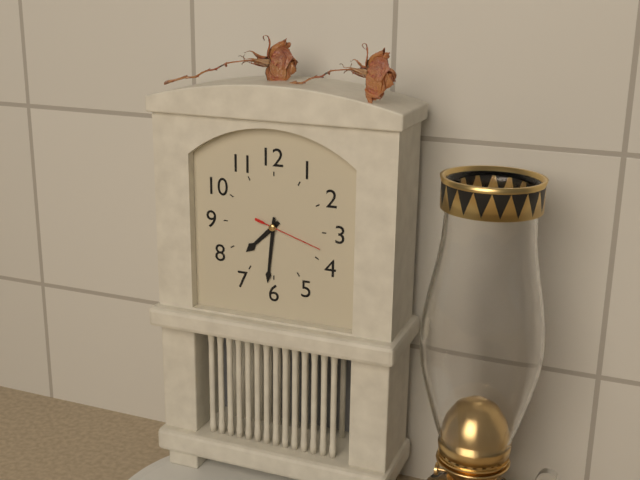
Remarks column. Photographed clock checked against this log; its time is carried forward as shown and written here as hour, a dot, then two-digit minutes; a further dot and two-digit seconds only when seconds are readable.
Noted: 7.31.18
